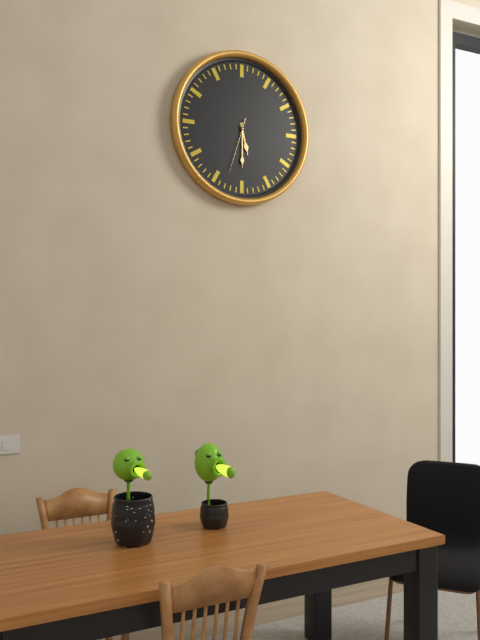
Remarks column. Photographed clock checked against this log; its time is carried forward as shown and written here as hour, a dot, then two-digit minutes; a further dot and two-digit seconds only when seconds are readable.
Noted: 5.30.33
